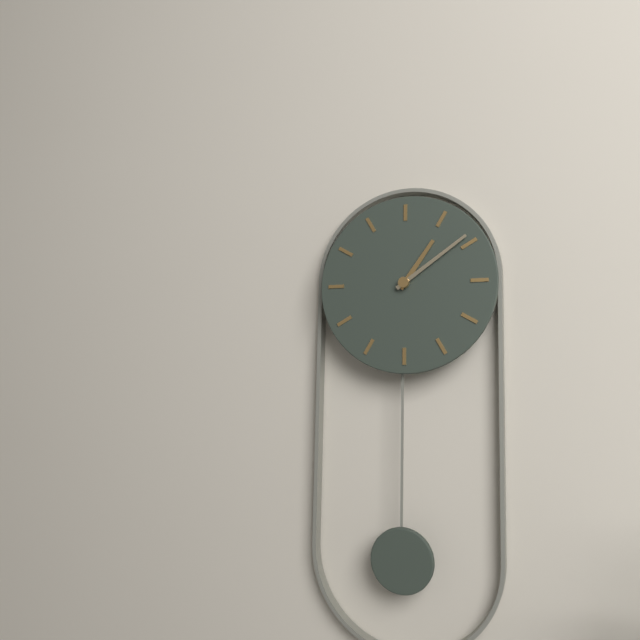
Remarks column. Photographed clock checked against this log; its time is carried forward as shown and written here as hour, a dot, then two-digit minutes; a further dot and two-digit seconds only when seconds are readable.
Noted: 1.09
